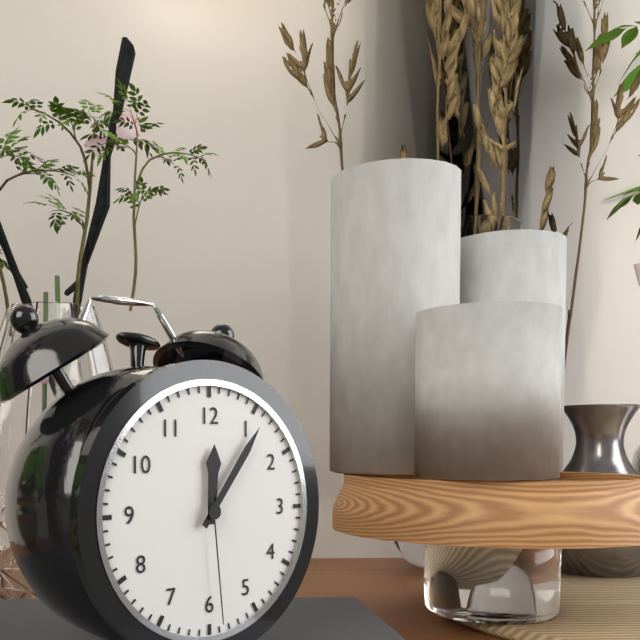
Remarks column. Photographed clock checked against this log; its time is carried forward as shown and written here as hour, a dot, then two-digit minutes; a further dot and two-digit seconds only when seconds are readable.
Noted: 12.06.29
